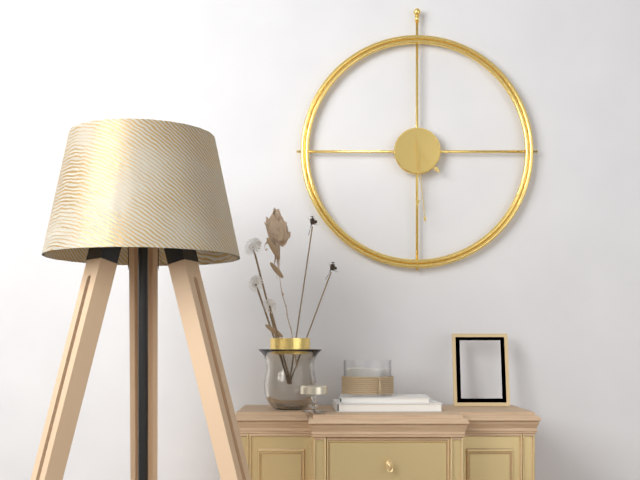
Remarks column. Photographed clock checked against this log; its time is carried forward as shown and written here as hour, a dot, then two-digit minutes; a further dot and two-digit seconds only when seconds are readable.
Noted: 4.30.29
